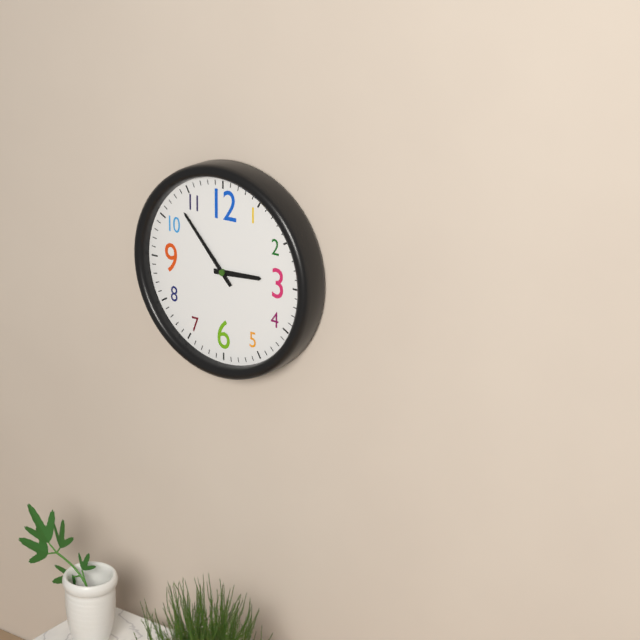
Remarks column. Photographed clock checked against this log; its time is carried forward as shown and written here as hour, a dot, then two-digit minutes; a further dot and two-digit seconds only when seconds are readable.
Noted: 2.53
